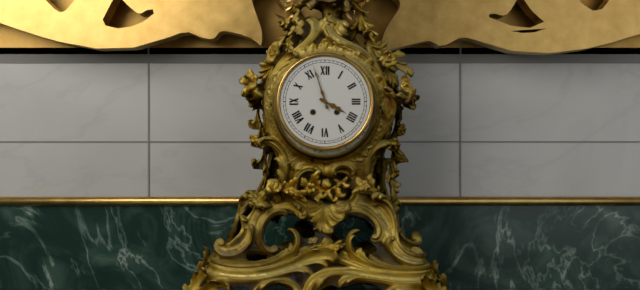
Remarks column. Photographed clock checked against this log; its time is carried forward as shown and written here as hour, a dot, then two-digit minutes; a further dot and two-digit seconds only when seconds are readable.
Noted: 3.57
